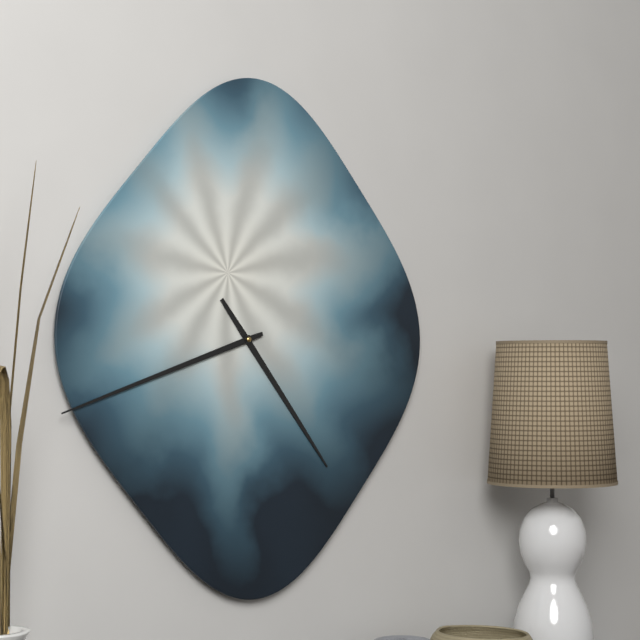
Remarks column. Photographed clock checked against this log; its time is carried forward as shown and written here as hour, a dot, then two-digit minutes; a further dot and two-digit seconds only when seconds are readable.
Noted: 4.42
